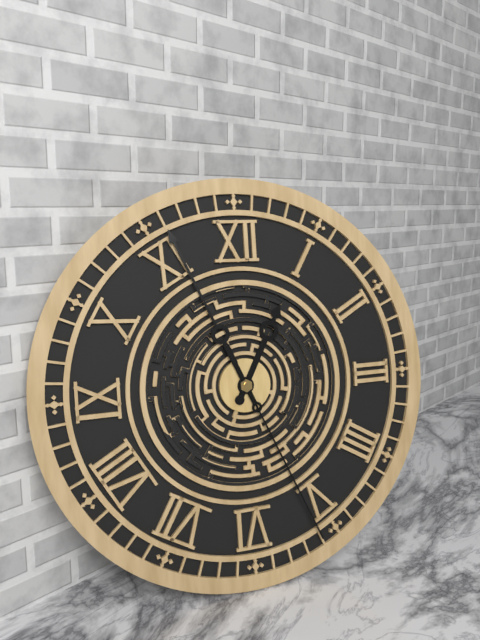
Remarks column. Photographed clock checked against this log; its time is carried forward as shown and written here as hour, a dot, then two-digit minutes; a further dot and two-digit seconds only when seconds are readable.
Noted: 12.56.26
